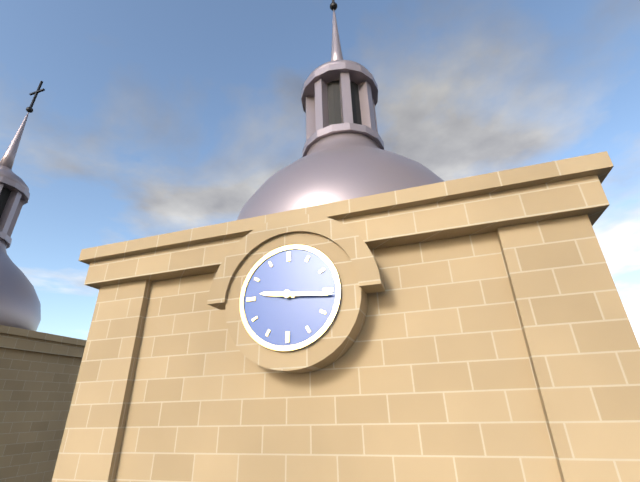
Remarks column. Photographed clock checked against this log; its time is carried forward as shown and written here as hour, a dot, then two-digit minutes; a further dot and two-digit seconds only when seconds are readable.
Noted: 9.16
